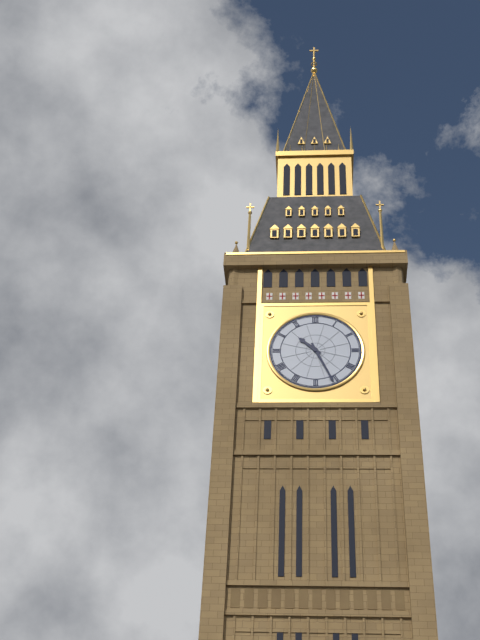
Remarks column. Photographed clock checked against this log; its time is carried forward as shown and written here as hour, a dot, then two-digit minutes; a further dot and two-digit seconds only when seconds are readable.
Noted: 10.26
